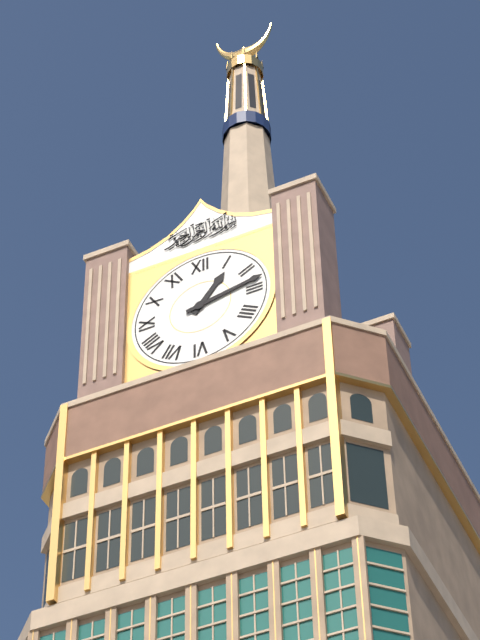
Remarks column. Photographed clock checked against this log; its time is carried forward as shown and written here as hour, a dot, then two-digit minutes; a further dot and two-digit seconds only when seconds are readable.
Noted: 1.13
